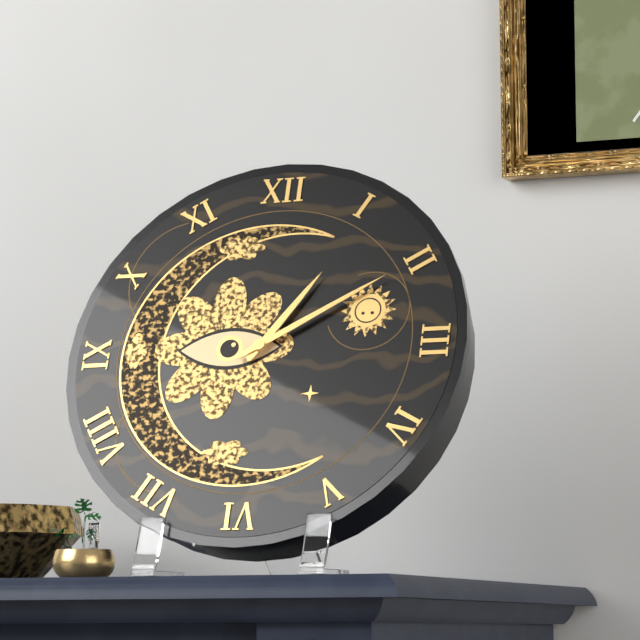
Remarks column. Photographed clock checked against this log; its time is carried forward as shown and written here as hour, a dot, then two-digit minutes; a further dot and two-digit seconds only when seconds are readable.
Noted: 1.10
